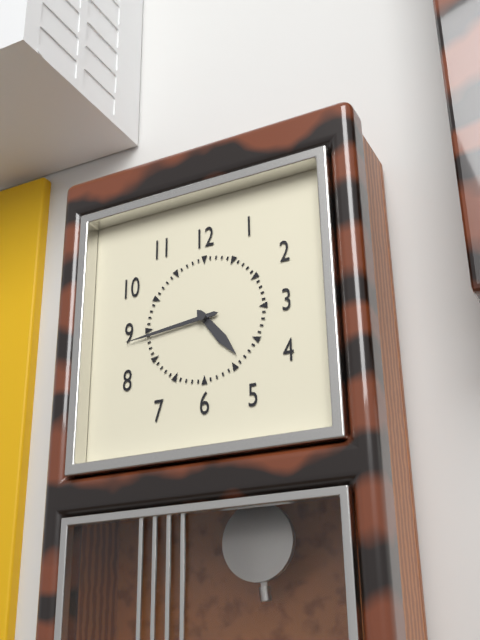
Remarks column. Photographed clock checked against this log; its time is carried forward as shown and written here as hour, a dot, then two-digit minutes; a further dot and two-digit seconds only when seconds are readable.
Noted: 4.44
